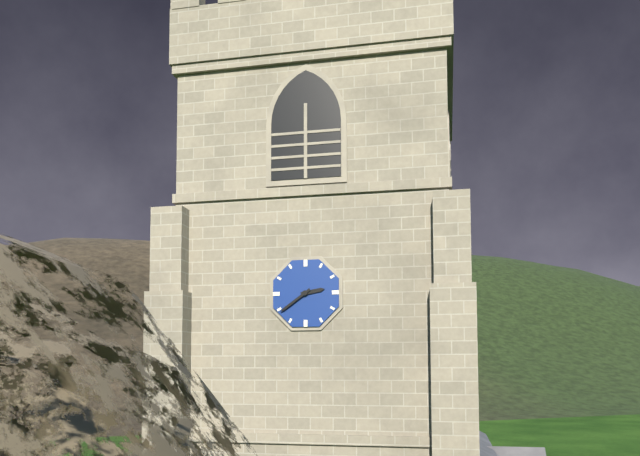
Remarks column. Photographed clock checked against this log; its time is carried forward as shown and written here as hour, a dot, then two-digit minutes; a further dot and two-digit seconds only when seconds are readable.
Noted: 2.39
